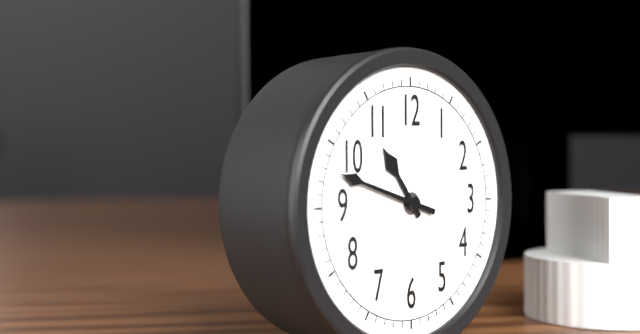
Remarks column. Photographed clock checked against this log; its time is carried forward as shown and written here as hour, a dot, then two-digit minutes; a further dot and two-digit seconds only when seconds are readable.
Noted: 10.48
